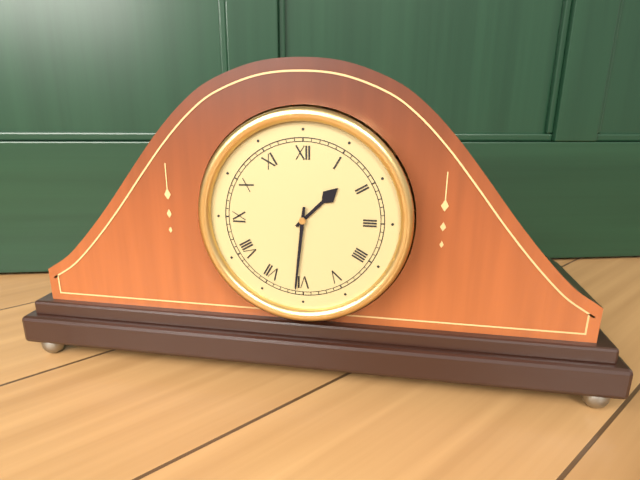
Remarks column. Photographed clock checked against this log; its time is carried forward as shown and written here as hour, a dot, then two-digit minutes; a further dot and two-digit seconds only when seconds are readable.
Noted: 1.31
